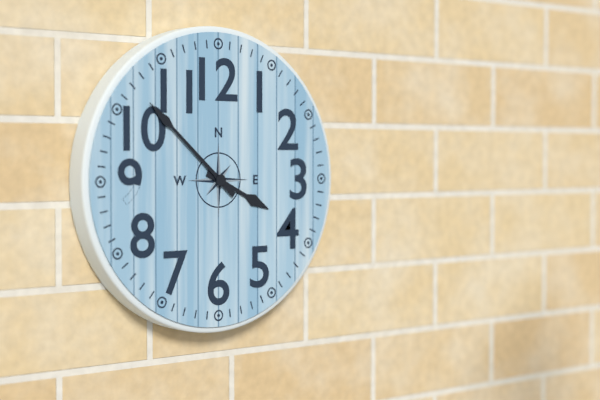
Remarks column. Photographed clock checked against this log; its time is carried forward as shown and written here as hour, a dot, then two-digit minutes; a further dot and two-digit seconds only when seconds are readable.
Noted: 3.52
